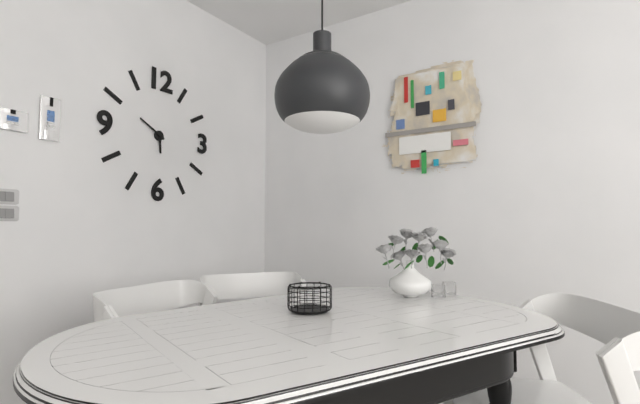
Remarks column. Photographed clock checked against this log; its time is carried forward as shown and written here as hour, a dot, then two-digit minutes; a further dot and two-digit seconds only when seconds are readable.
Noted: 5.50
